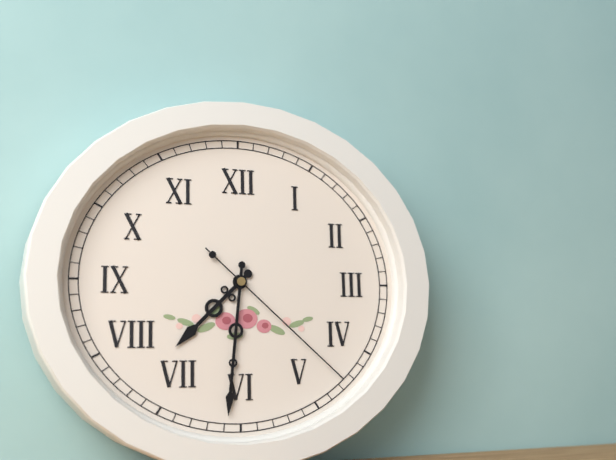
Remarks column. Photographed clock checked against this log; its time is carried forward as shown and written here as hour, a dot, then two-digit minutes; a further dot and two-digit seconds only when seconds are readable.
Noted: 7.31.22
